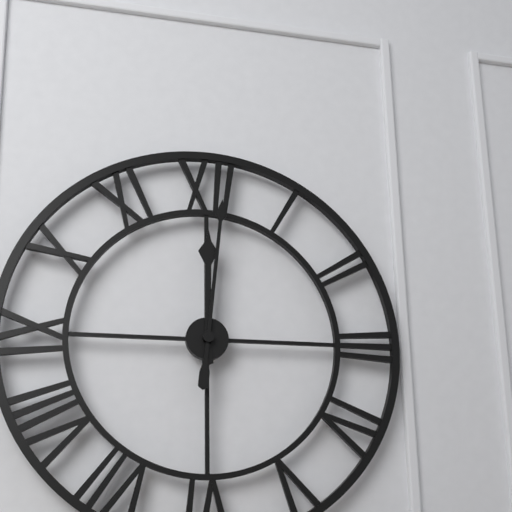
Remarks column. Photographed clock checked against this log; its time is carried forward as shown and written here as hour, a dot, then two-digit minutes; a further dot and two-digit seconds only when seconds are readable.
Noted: 12.01
